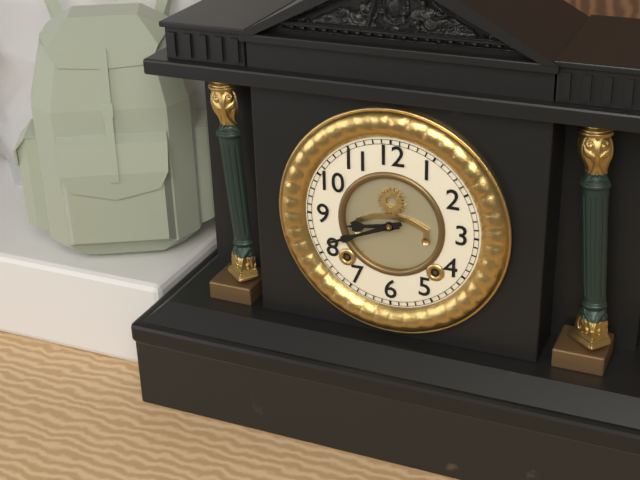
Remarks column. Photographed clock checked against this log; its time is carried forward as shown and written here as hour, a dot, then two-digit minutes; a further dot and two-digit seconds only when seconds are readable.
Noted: 8.41
